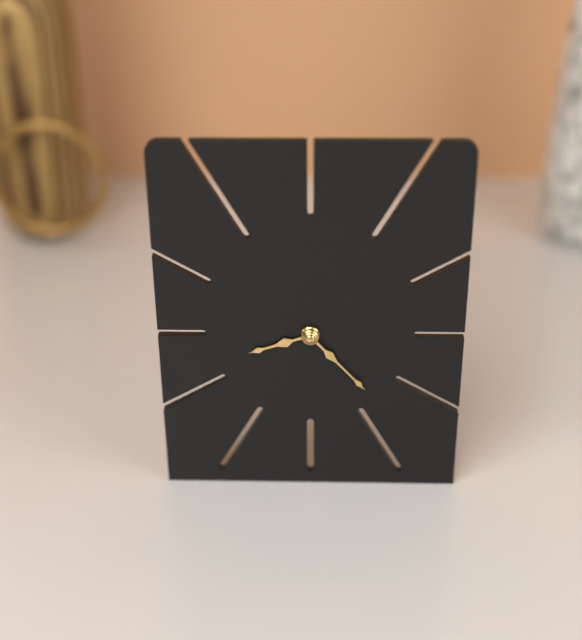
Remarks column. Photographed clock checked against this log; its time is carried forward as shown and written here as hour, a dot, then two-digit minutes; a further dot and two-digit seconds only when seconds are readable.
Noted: 8.23
